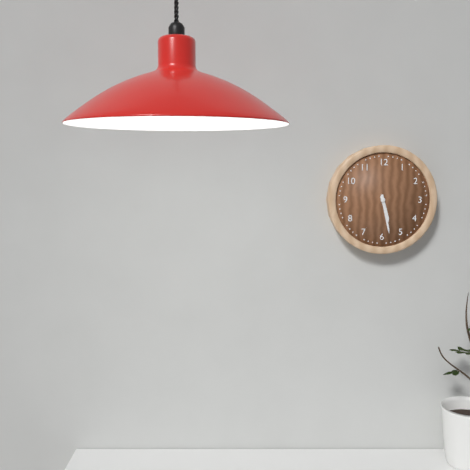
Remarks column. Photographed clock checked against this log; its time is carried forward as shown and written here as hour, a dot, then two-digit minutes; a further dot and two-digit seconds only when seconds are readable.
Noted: 5.28
